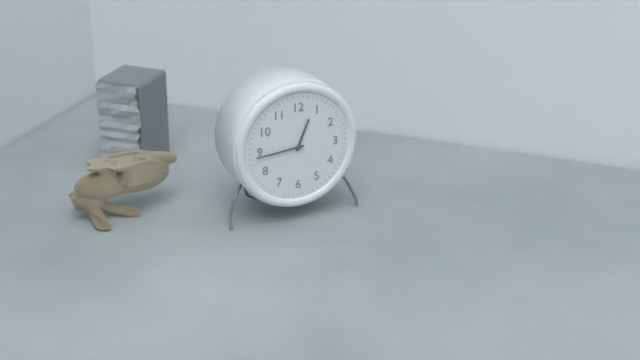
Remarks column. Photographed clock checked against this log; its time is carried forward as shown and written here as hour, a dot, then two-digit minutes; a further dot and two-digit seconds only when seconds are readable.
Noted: 12.44
